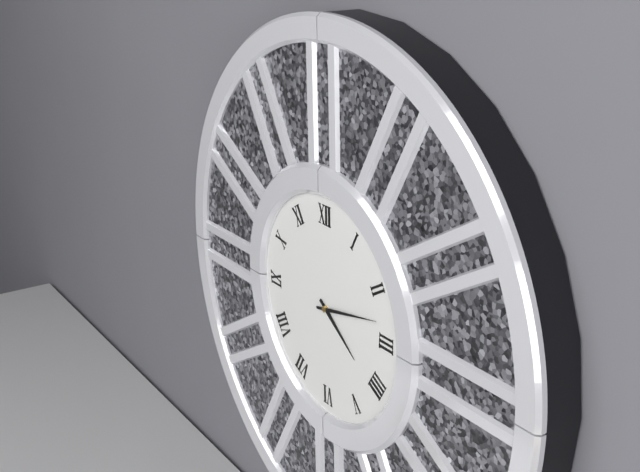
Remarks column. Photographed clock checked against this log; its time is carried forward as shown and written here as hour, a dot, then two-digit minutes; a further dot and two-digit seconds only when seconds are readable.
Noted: 4.13
